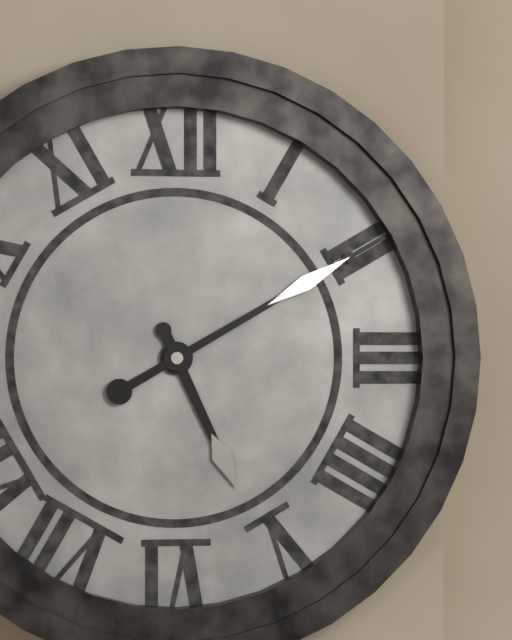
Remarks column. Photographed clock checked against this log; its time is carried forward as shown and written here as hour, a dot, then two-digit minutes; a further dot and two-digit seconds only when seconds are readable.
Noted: 5.10
